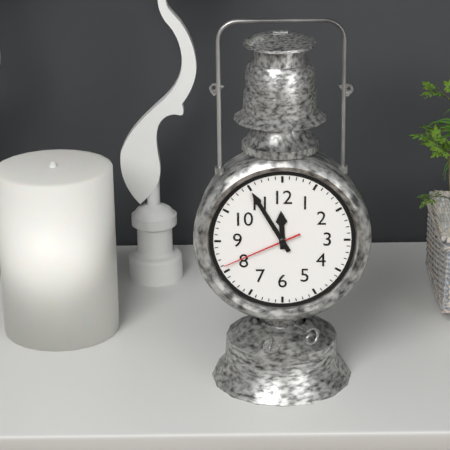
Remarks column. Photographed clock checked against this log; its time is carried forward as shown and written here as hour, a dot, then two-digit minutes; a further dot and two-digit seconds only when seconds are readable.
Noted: 11.55.41
